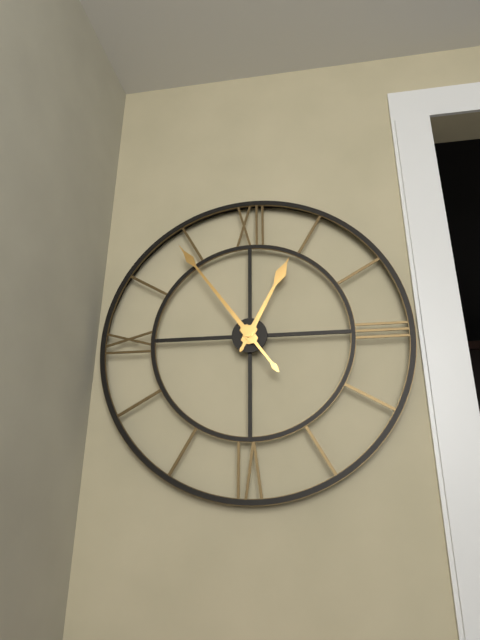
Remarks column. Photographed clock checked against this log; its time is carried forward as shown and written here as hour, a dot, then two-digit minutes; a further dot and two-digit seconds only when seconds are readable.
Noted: 12.54
